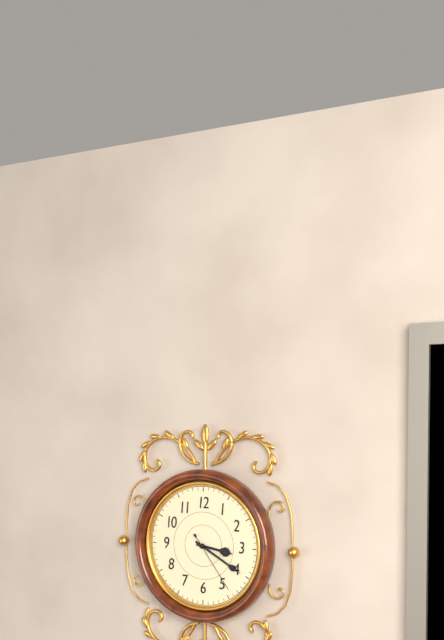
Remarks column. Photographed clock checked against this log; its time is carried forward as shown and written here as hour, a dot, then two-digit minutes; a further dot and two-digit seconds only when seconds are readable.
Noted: 3.20.24
